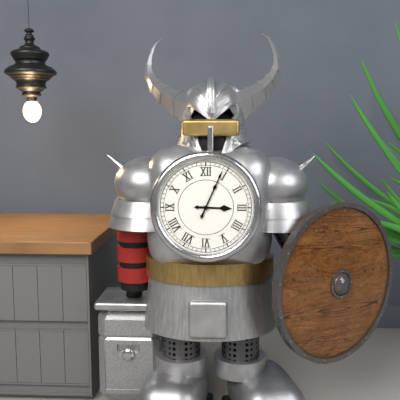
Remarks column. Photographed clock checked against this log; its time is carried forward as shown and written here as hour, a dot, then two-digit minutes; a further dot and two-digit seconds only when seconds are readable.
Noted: 3.04
